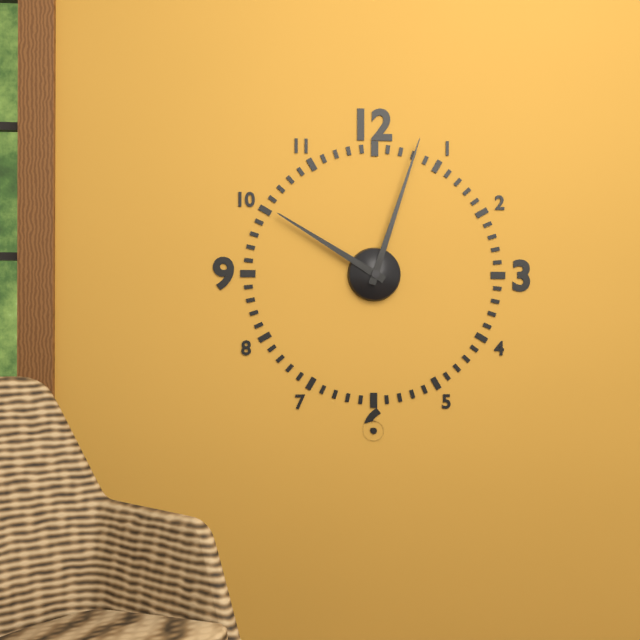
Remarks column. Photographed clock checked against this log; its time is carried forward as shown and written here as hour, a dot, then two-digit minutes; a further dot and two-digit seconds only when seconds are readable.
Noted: 10.03
